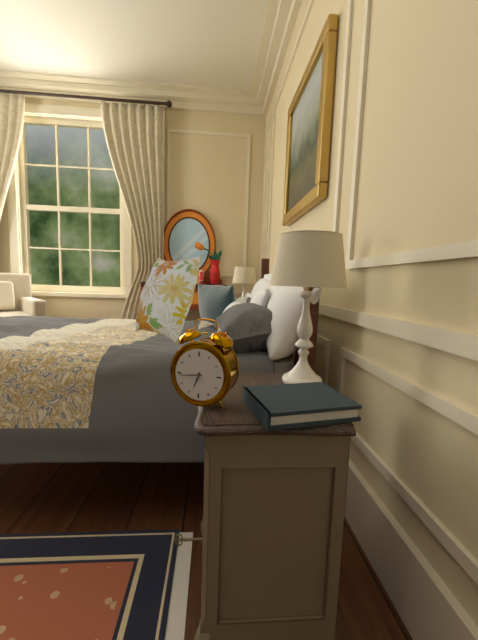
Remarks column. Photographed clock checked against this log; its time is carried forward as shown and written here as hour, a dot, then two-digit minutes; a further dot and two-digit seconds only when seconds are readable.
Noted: 6.44
